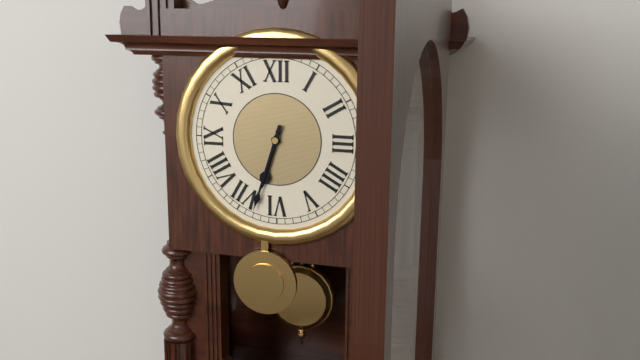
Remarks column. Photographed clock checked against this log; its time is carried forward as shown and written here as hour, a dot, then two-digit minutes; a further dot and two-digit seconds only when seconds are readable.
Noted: 6.33
